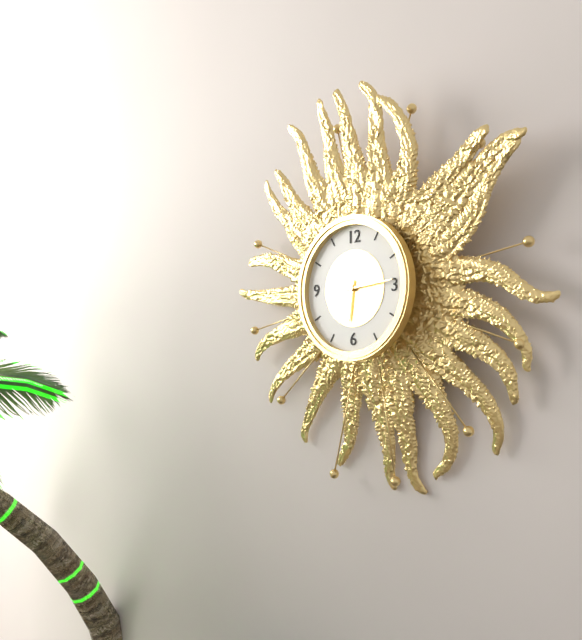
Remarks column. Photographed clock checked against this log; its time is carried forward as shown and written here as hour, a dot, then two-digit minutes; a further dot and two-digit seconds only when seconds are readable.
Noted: 6.14
